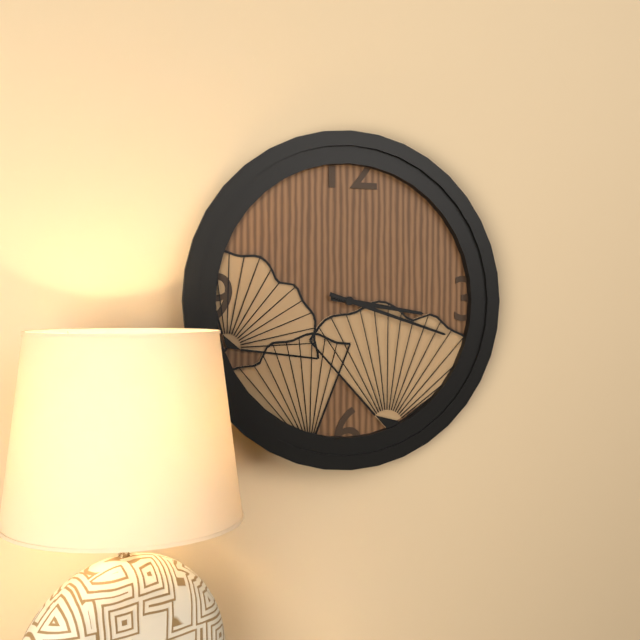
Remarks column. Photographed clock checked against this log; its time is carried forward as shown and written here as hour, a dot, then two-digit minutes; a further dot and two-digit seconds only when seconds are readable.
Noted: 3.18
